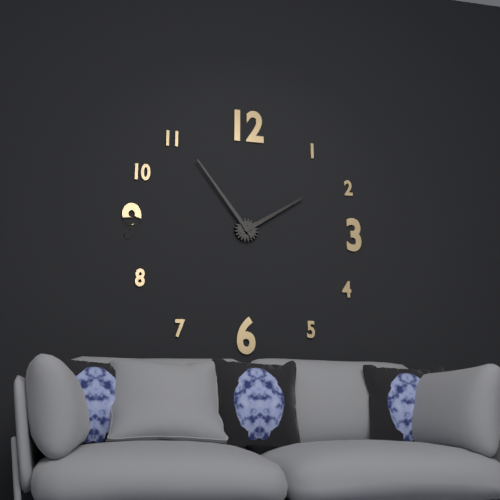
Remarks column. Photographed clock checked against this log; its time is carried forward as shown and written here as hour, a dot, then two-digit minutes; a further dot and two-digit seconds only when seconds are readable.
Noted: 1.54
